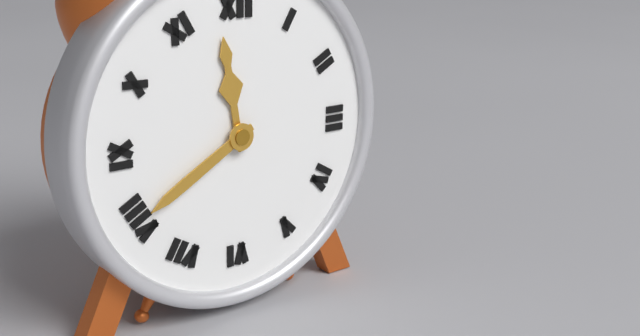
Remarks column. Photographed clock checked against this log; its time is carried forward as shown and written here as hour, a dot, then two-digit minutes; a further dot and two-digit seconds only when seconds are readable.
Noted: 11.40
